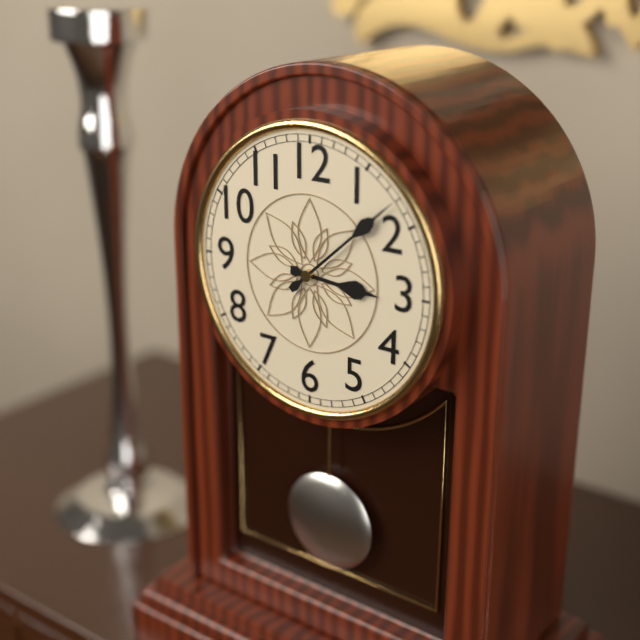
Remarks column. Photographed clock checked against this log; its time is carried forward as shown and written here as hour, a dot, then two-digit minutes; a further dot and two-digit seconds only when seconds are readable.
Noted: 3.08
